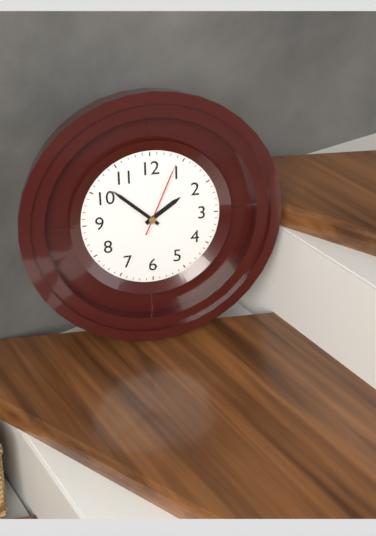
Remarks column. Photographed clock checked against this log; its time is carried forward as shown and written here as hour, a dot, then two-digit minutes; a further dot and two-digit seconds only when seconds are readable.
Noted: 1.52.04
